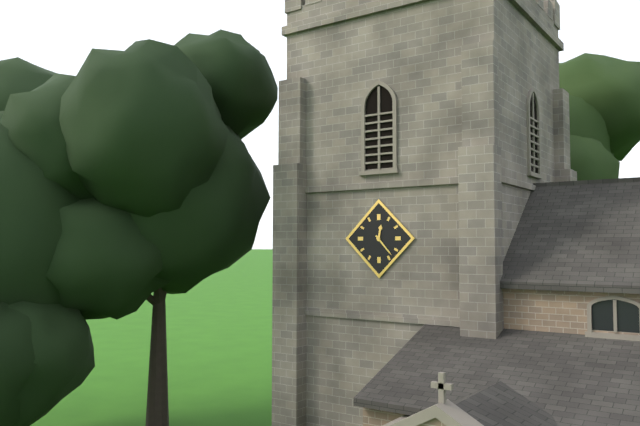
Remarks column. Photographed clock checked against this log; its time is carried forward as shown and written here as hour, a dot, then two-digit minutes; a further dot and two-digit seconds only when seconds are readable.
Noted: 12.23
